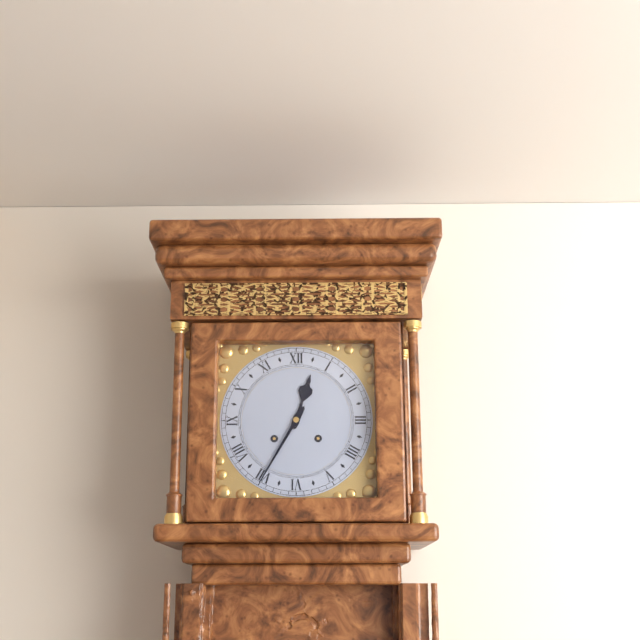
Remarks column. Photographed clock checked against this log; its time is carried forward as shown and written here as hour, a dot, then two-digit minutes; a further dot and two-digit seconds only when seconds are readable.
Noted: 12.35
